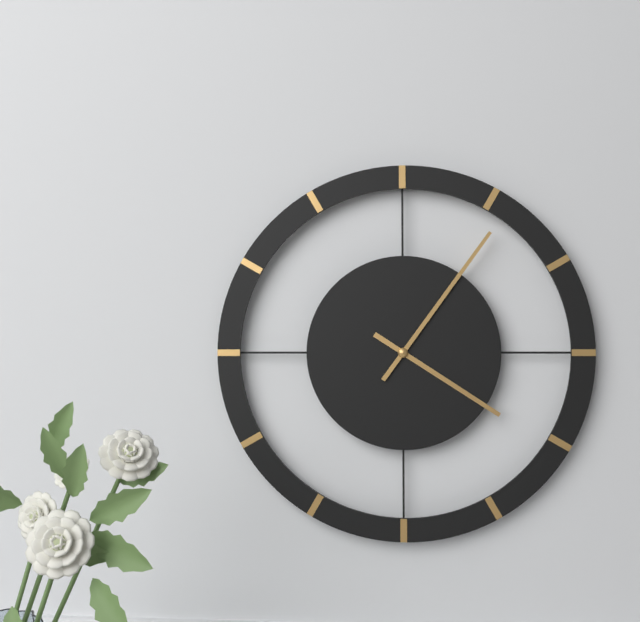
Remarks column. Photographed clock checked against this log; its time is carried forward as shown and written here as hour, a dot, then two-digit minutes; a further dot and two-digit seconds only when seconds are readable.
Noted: 4.06
